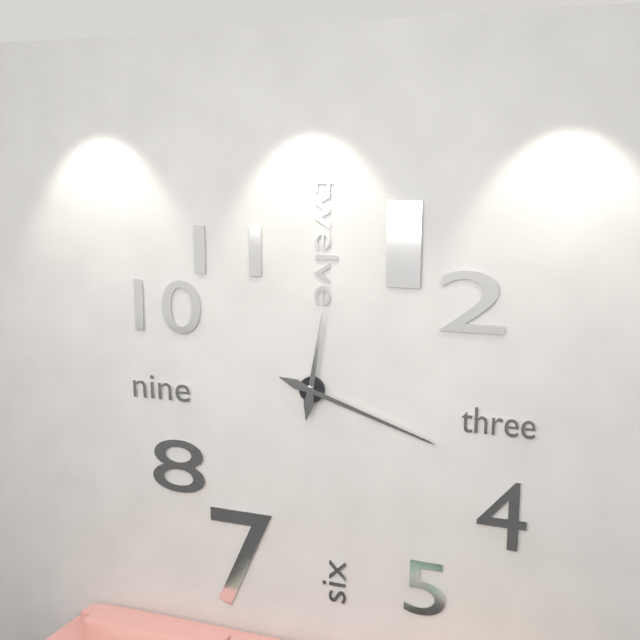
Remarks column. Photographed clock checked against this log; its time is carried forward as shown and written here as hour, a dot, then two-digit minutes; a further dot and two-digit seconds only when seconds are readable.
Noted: 12.18
